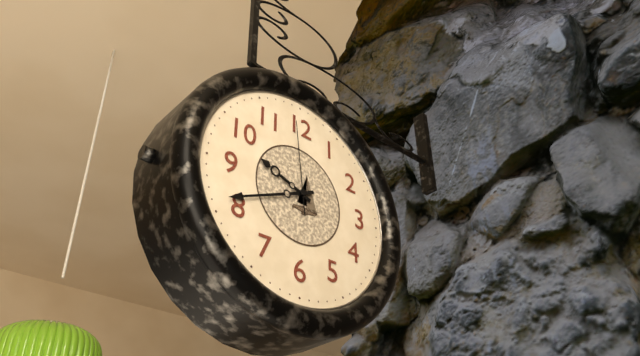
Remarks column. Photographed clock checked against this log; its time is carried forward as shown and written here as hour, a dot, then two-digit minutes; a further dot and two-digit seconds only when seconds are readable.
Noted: 9.41.59
